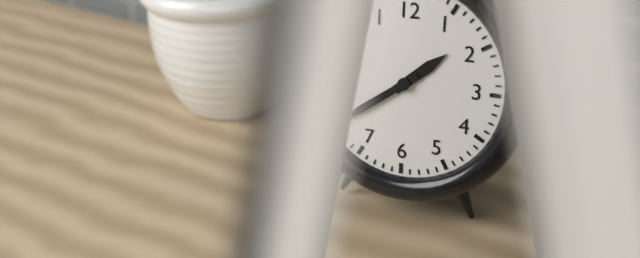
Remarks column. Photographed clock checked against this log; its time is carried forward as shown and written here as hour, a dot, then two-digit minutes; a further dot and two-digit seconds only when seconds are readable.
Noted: 1.39
